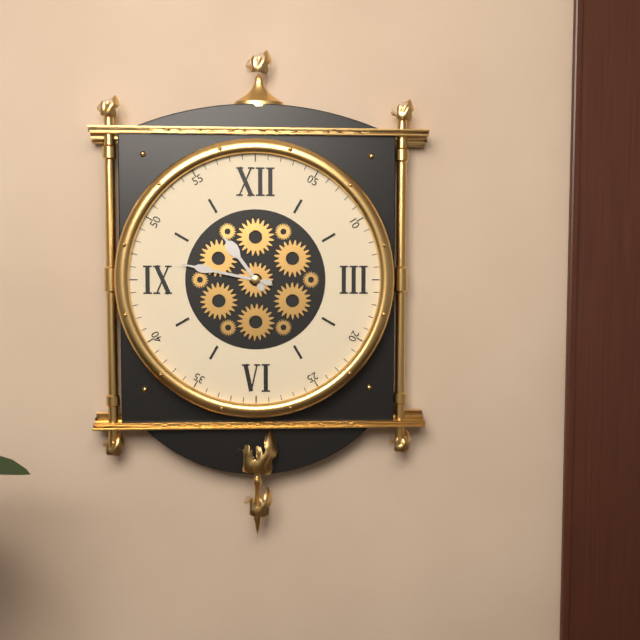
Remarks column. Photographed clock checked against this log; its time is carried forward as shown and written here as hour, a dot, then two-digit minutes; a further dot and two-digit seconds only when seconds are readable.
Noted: 10.47
